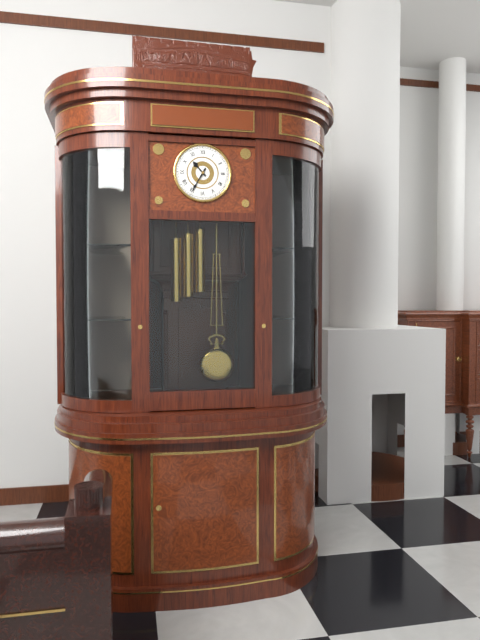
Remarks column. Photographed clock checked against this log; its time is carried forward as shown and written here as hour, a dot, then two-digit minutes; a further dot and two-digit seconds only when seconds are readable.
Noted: 10.35
